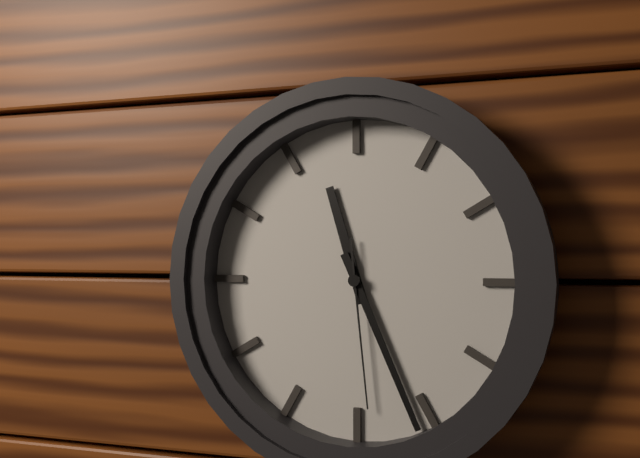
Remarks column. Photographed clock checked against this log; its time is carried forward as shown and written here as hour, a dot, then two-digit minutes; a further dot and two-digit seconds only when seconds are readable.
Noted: 11.26.29
